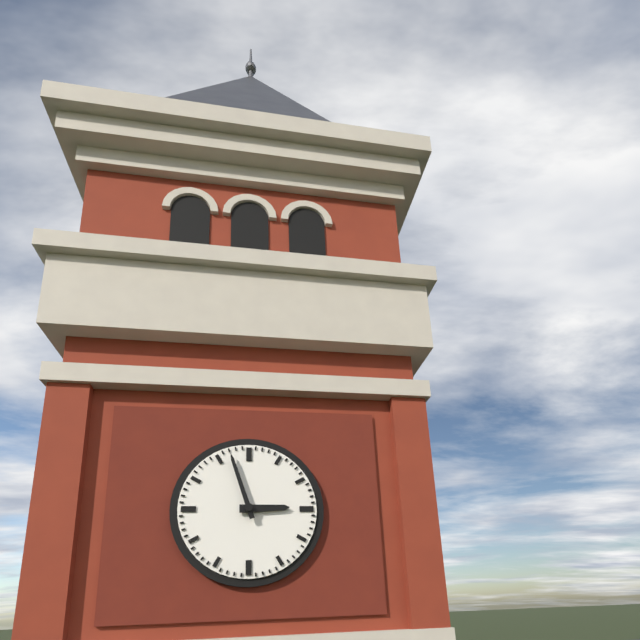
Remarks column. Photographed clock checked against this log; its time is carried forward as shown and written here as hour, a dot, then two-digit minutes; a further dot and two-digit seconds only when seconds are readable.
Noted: 2.57
